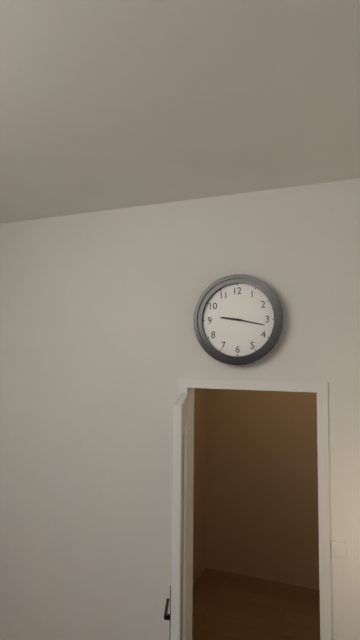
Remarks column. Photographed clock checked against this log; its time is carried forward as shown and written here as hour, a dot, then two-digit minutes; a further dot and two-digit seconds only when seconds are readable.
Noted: 9.17
